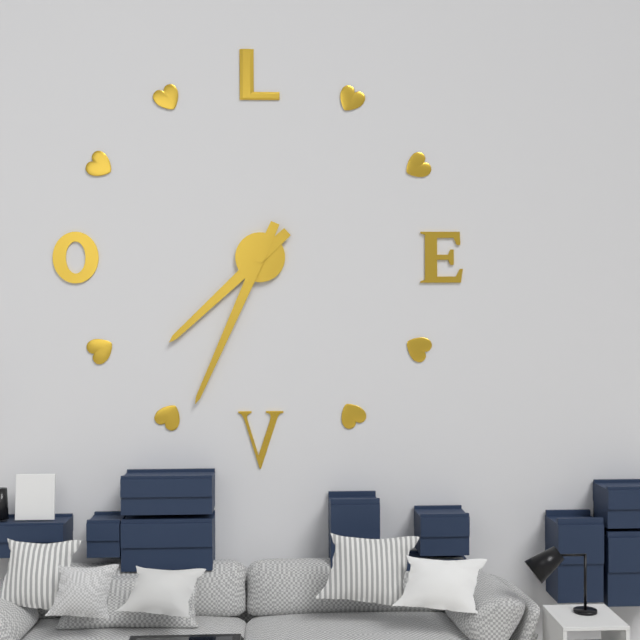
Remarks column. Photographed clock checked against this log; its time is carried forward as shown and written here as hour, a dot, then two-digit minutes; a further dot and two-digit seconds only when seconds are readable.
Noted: 7.34
